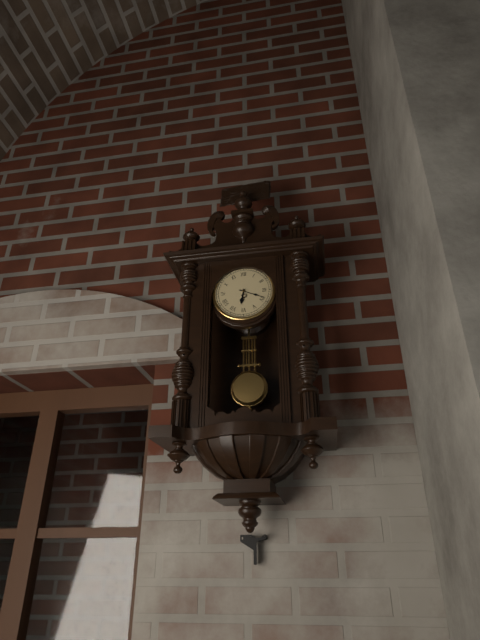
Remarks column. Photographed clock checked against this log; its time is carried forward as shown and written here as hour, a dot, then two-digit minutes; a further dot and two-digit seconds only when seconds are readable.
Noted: 6.19
